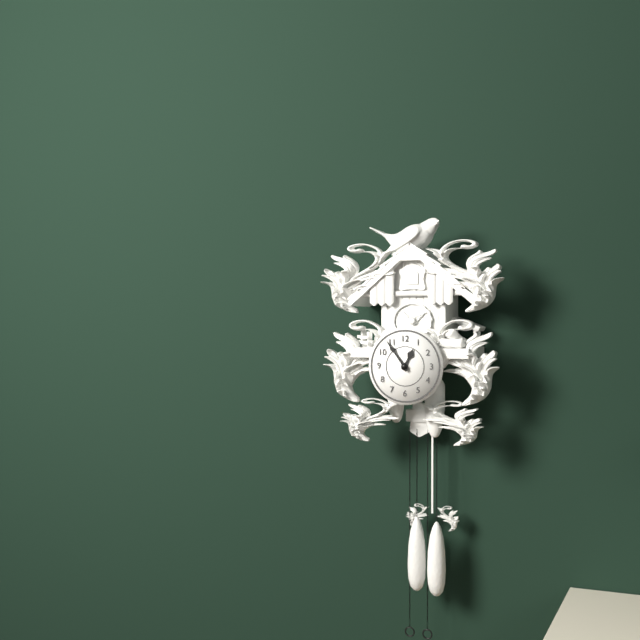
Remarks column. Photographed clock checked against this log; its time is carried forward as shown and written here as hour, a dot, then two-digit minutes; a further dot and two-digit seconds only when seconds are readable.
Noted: 12.54
